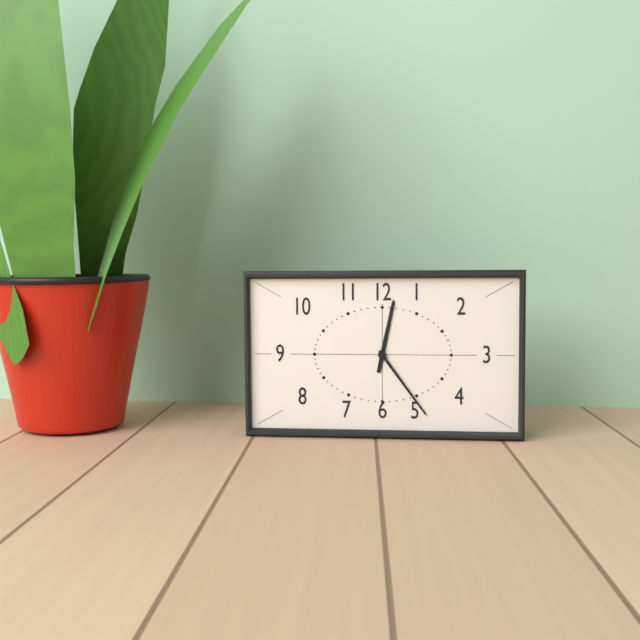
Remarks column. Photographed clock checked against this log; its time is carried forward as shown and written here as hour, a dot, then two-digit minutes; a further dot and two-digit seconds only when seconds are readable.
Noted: 12.24
